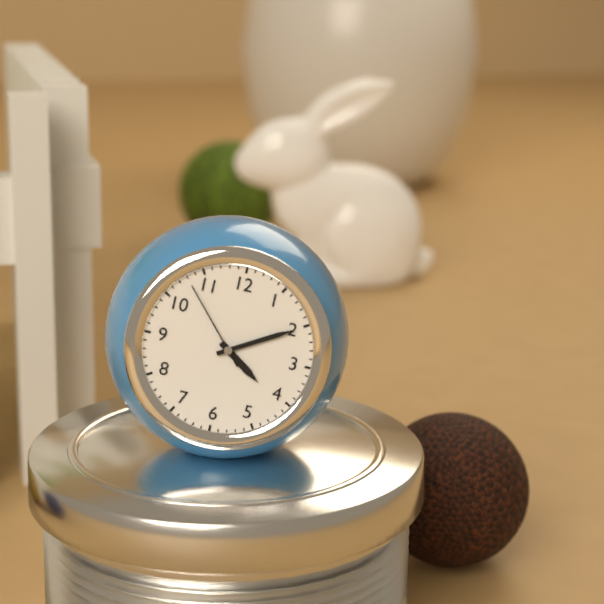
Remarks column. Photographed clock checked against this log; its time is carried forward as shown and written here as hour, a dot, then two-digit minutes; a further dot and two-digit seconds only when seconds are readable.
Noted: 4.10.53
